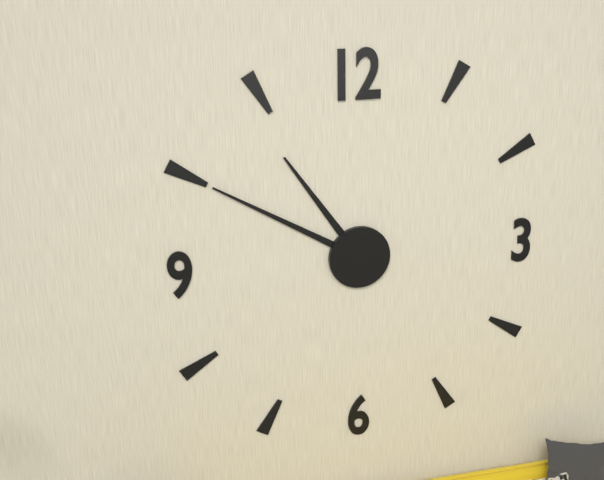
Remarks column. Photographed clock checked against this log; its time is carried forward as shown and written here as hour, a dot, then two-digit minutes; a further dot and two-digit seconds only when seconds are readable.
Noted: 10.50
